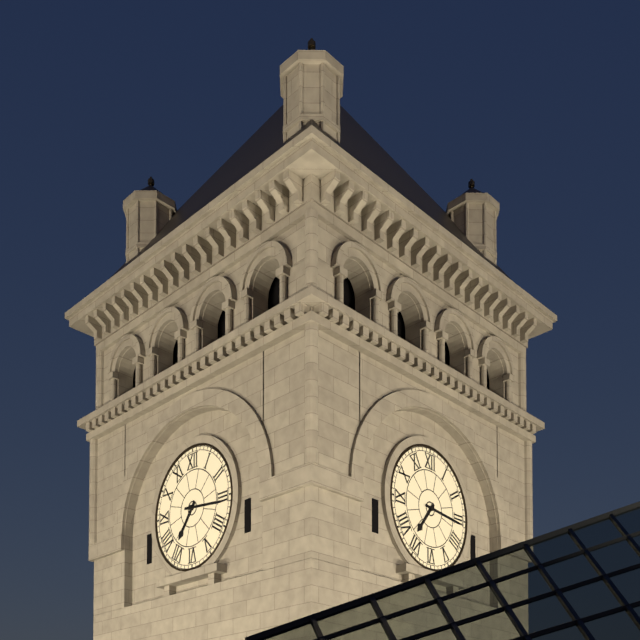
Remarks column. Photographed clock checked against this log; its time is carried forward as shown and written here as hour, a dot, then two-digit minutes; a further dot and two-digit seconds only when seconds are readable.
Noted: 7.16
